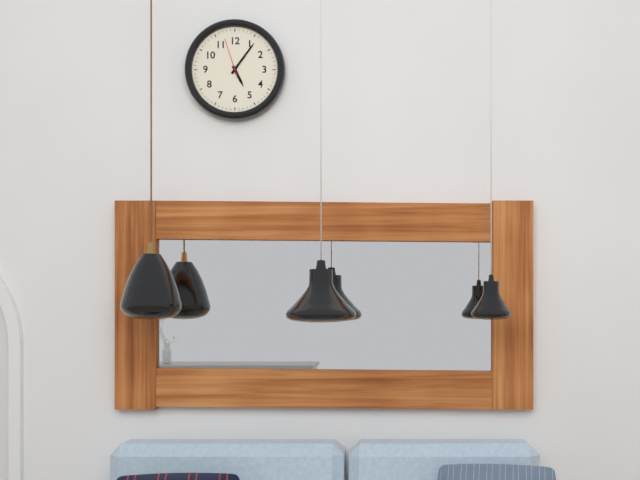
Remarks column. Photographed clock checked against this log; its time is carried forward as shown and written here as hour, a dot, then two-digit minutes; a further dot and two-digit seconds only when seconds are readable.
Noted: 5.06
